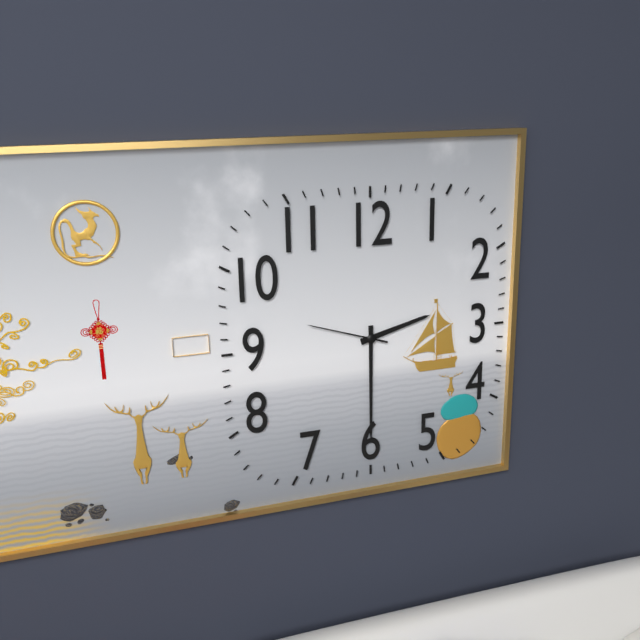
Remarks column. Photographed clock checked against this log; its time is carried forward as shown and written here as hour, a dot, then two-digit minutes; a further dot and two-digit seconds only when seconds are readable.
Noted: 2.30.48
